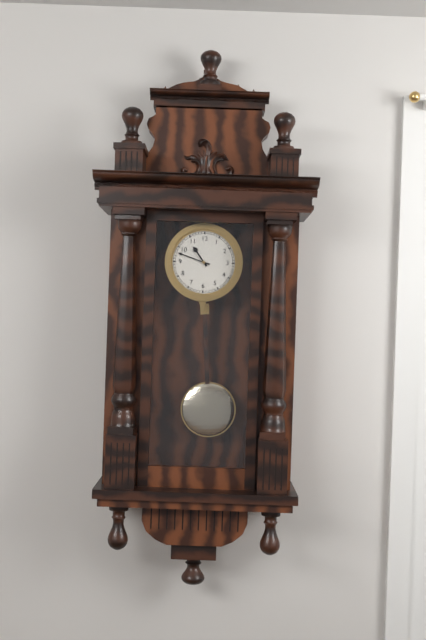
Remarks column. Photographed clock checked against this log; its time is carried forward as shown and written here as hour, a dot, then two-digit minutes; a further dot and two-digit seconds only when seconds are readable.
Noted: 10.48
